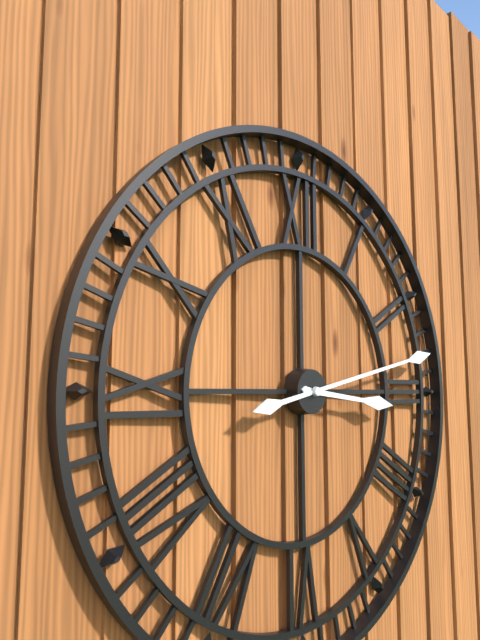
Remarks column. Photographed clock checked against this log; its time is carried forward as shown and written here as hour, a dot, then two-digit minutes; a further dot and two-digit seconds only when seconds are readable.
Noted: 3.13
